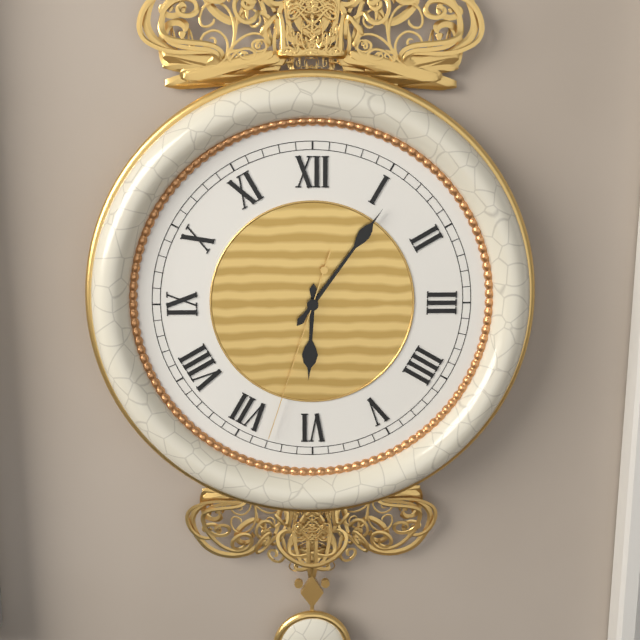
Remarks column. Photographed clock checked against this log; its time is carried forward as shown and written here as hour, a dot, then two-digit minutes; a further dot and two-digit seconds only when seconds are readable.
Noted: 6.06.33
